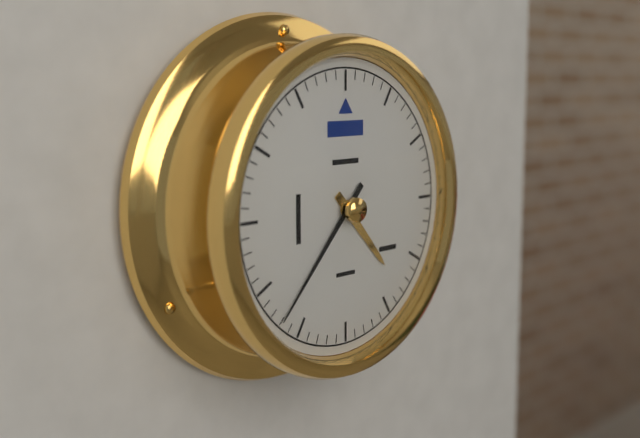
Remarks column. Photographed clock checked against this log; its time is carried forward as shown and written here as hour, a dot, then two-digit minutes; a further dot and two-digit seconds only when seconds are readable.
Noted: 4.37
